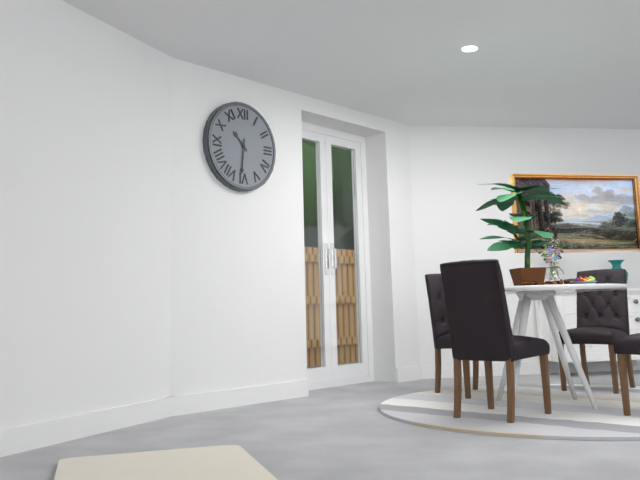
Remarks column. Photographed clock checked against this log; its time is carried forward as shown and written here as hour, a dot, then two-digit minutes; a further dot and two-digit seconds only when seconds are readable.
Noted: 10.31
